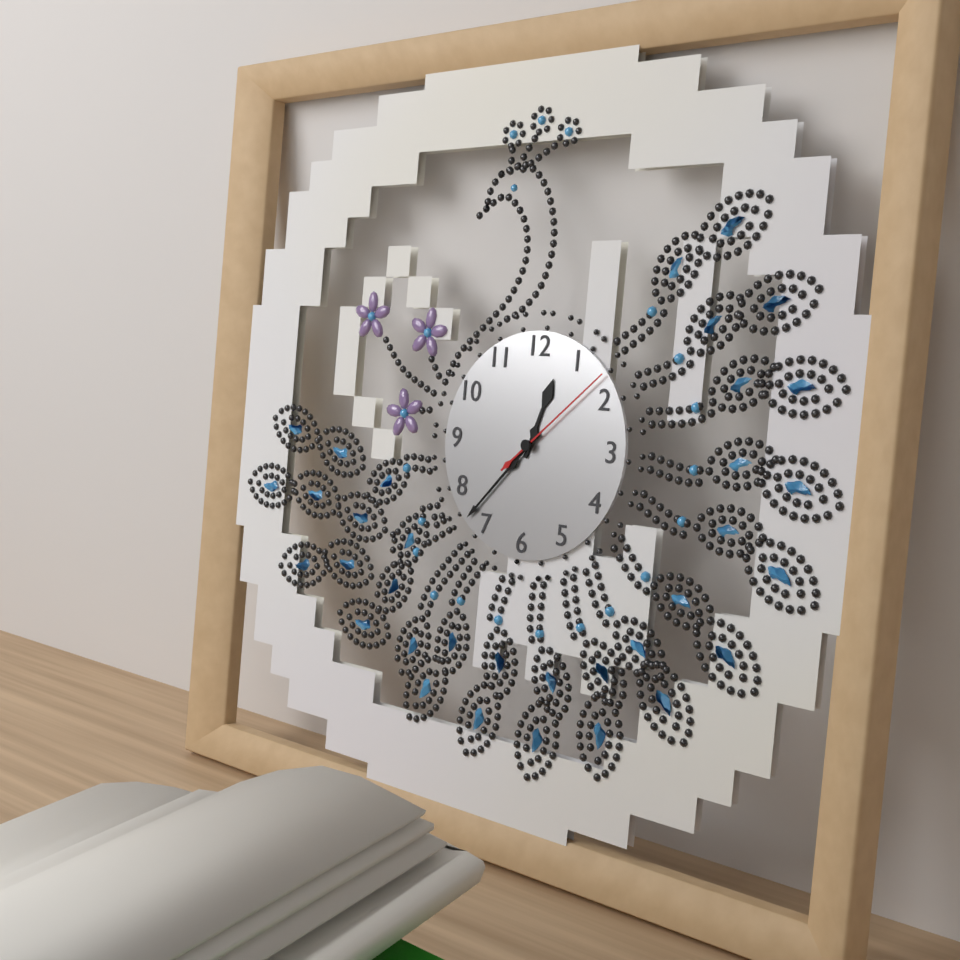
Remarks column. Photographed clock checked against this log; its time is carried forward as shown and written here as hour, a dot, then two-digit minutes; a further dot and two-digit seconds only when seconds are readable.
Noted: 12.37.08
